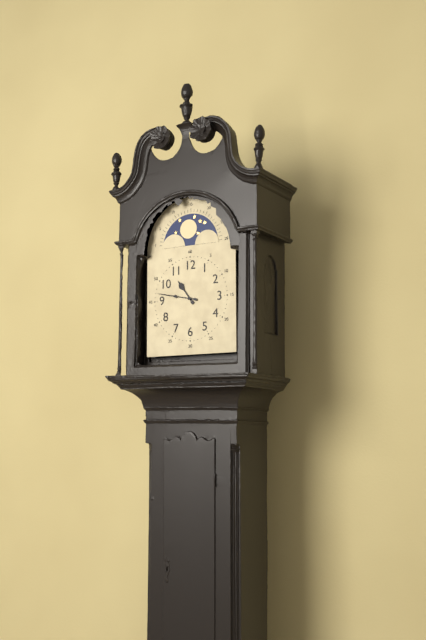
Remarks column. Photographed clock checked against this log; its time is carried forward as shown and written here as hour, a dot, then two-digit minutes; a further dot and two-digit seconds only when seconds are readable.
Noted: 10.47
